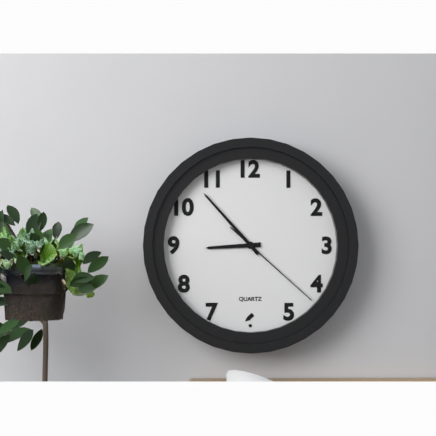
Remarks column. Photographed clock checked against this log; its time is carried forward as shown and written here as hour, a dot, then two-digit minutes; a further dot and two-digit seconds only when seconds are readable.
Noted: 8.53.22
